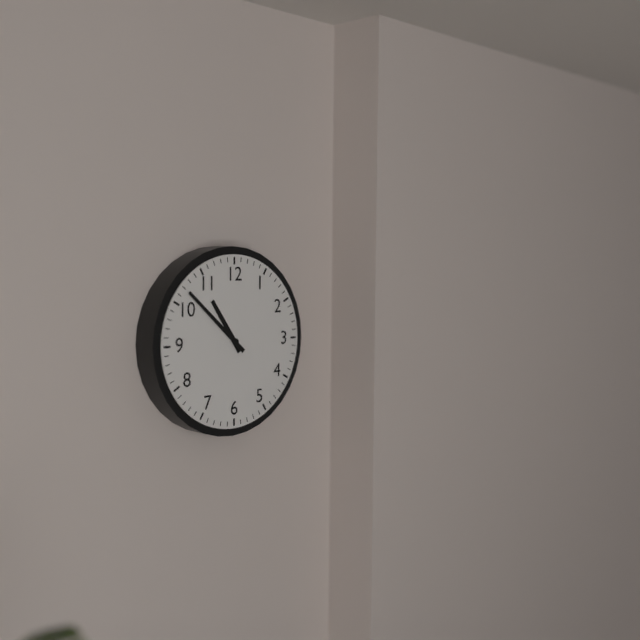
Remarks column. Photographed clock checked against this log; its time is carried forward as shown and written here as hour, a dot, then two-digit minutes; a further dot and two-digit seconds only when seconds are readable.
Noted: 10.52
